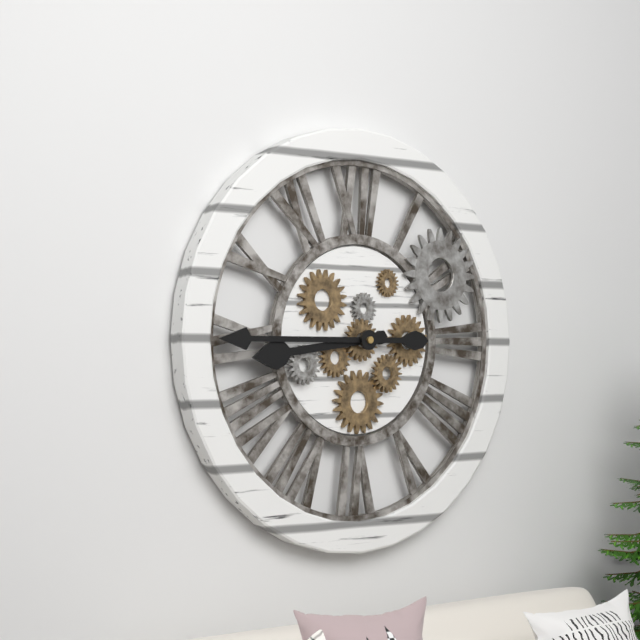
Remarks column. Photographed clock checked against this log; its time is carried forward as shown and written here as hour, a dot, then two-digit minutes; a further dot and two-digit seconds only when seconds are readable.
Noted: 8.45
